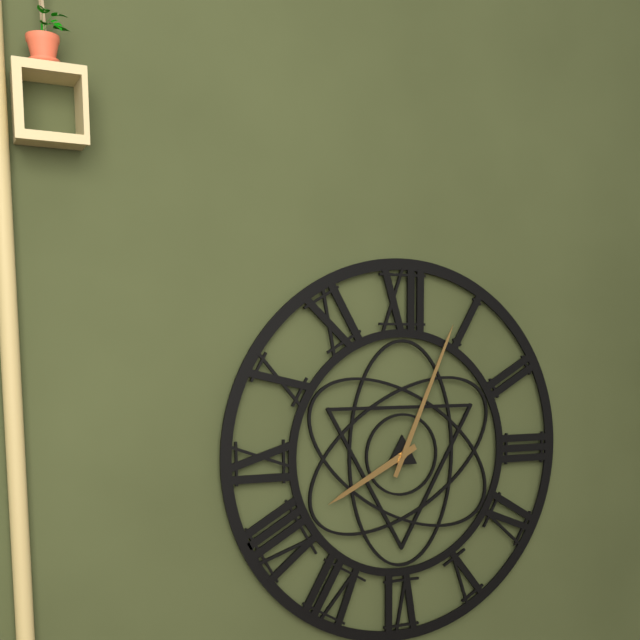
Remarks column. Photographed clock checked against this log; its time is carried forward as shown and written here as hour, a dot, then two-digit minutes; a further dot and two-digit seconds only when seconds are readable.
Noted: 8.04
